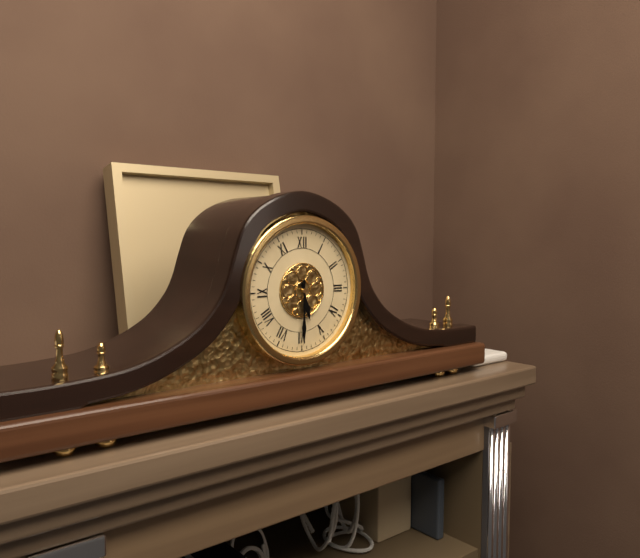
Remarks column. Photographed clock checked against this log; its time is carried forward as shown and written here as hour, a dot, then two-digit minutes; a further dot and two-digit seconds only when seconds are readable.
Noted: 5.30
